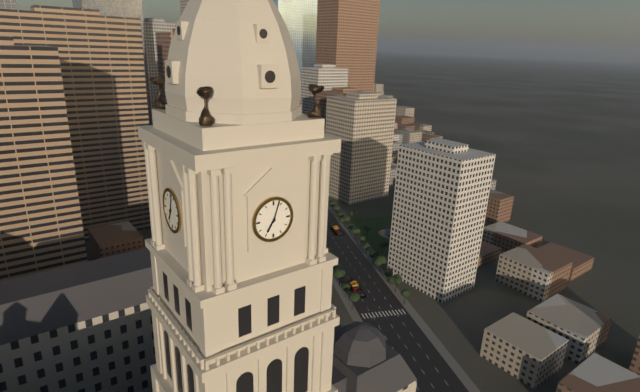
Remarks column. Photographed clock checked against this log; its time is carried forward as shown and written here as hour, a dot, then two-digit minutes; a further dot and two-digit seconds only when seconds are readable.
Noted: 7.03
